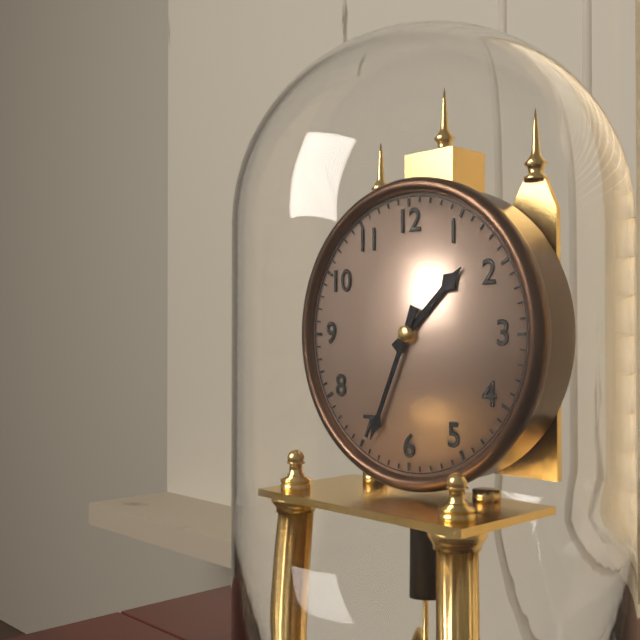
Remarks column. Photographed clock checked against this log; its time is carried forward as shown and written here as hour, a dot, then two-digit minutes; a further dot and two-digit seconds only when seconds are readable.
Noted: 1.34
